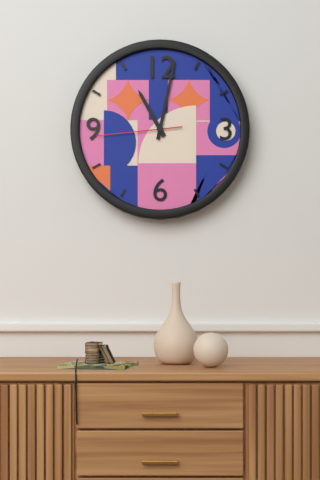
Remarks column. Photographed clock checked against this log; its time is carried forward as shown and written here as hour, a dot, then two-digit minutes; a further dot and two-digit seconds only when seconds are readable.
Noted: 11.02.44
